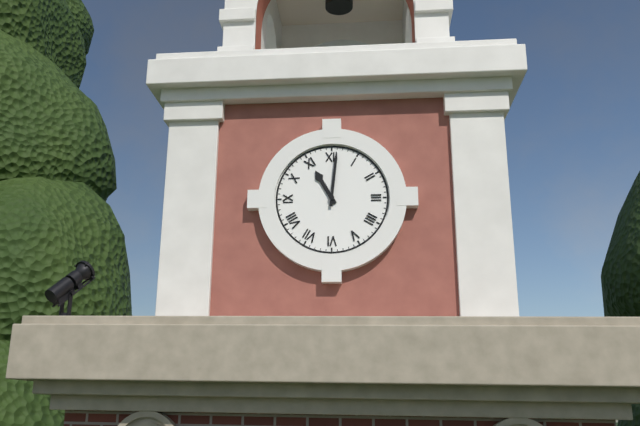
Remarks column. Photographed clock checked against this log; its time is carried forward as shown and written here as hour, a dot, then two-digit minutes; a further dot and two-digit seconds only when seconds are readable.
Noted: 11.01
